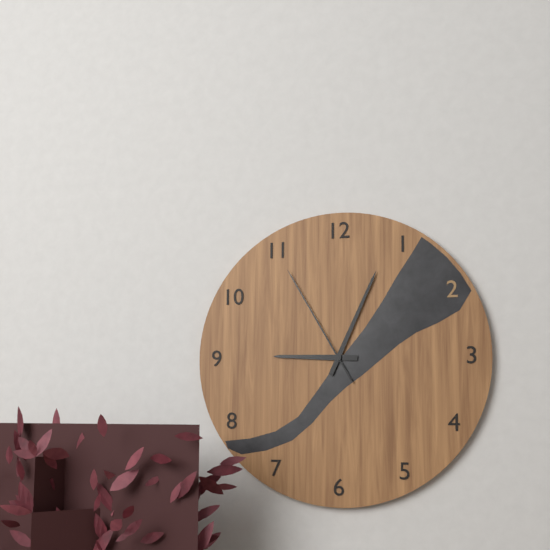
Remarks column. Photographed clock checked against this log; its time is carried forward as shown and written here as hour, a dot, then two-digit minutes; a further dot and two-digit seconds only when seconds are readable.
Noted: 9.04.55
